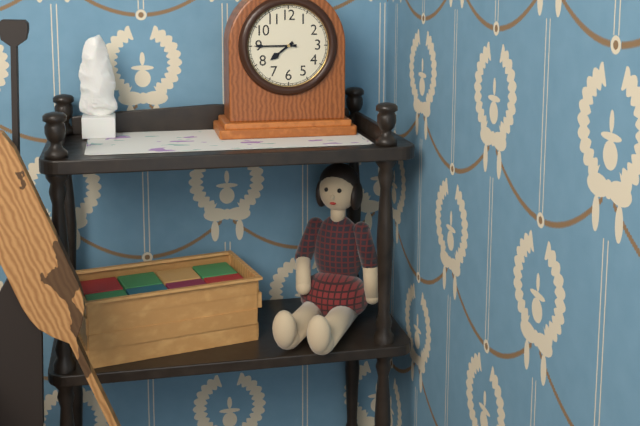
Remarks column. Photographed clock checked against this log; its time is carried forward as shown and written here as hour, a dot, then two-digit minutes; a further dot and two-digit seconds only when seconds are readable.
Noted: 7.45
